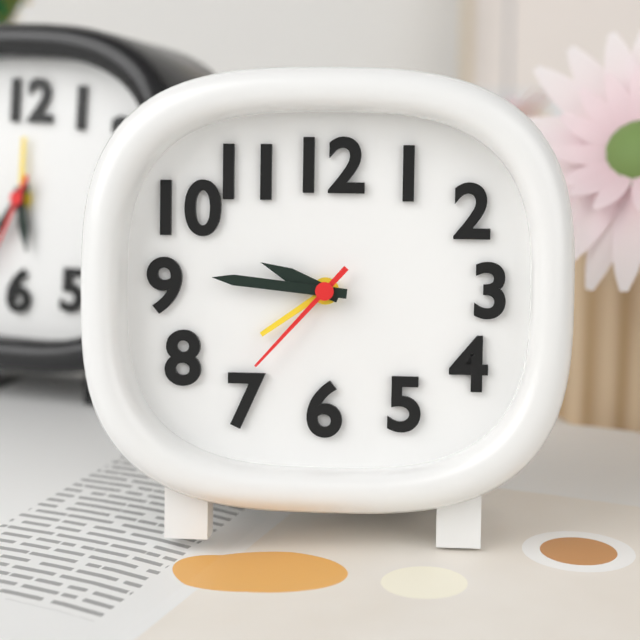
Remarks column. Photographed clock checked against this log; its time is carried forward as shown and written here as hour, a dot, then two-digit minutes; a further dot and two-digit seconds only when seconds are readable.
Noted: 9.46.37
